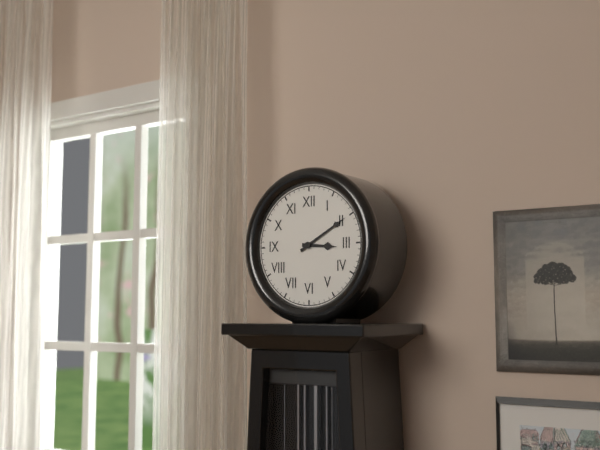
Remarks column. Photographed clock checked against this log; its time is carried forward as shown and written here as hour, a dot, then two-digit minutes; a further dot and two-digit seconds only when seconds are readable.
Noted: 3.10
